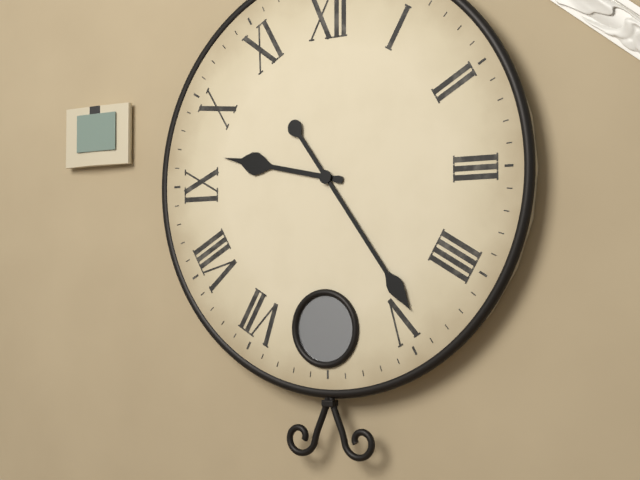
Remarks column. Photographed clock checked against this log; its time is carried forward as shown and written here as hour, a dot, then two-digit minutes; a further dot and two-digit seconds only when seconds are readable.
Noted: 9.24
